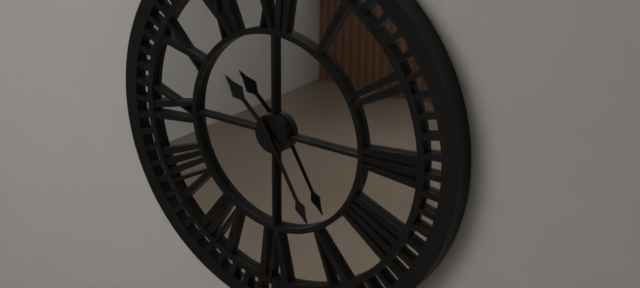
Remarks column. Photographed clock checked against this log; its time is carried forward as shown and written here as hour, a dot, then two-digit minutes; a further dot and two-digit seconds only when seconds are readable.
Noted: 10.25
